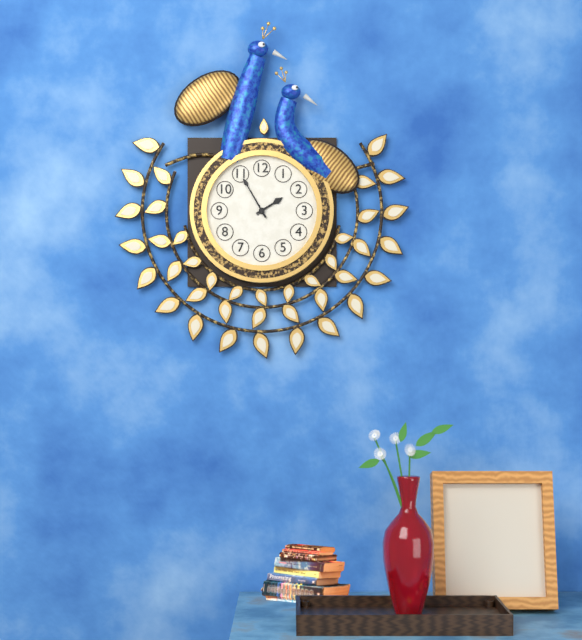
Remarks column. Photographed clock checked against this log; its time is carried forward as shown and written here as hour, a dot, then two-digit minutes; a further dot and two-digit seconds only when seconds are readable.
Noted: 1.55
